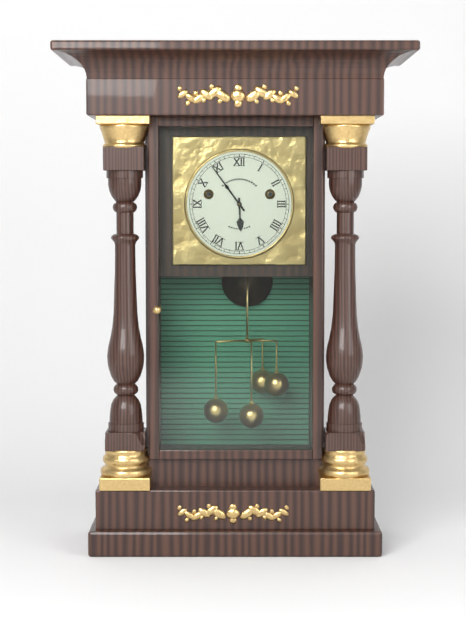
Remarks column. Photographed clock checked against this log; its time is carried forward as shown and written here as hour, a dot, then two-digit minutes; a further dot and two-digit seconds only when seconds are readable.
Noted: 5.54
